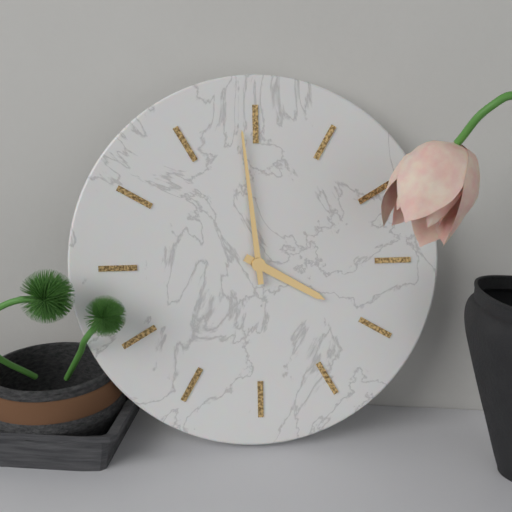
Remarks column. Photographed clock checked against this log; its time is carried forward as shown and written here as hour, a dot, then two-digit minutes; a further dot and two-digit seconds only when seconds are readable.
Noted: 3.59
